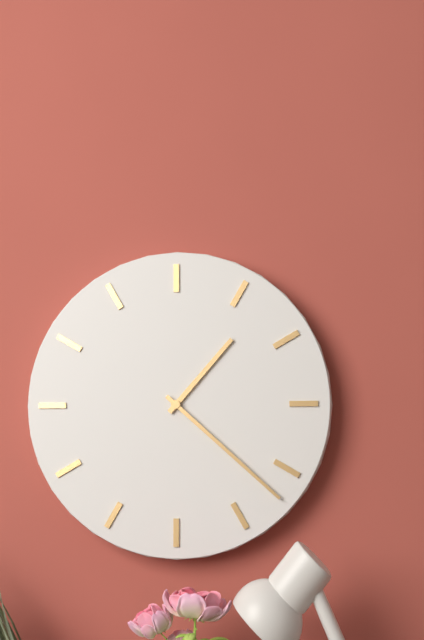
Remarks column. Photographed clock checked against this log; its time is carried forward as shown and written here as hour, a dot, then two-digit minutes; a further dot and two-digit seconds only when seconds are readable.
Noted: 1.22
